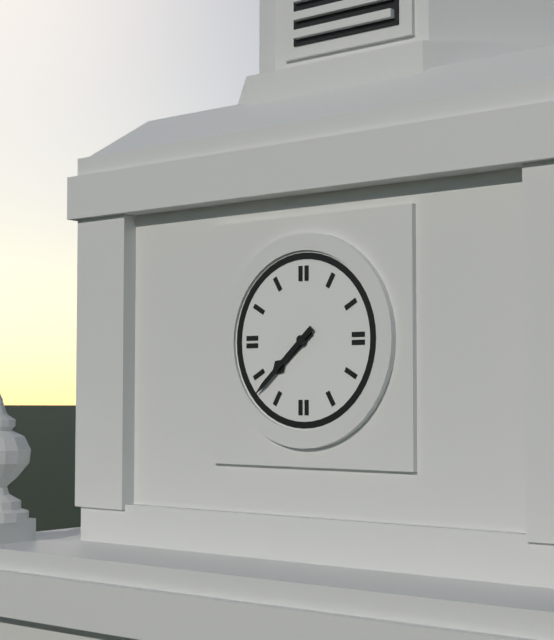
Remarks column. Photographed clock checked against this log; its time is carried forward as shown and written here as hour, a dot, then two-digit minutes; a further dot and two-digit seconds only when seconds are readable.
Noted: 7.38
